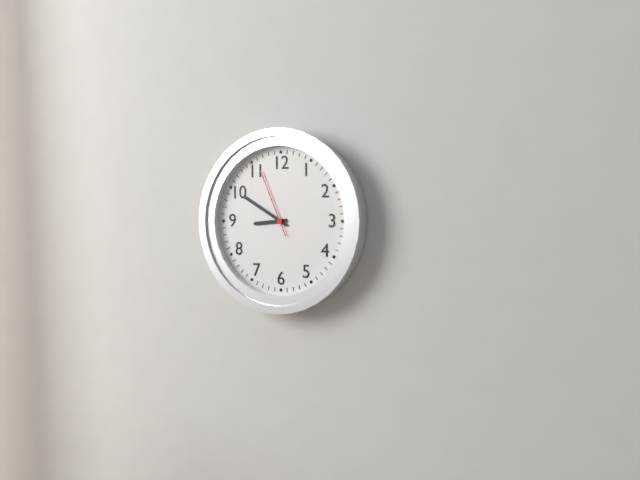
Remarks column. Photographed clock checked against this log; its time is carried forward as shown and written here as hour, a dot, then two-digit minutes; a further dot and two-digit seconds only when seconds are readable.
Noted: 8.50.56
